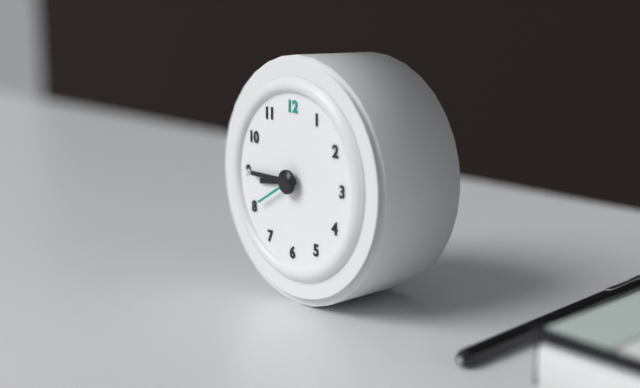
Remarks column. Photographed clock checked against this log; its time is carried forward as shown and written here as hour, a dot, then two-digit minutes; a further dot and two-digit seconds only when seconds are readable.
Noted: 8.45.40
